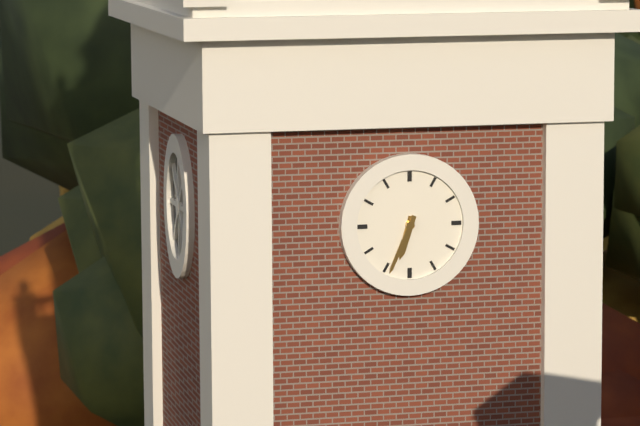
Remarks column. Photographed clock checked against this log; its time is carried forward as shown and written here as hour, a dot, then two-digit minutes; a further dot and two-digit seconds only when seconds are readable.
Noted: 6.34
